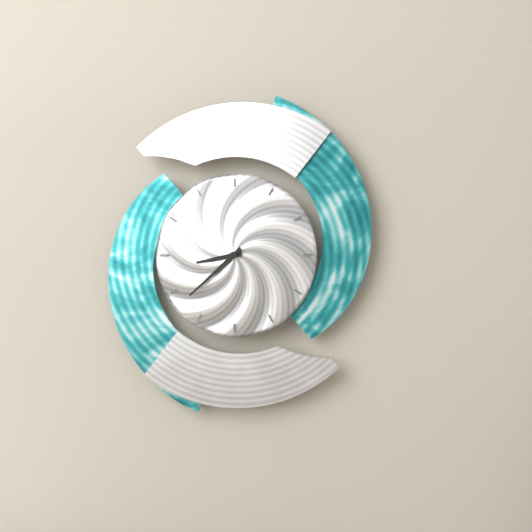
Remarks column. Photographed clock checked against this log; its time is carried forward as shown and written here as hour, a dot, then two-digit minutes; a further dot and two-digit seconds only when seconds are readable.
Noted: 8.38
